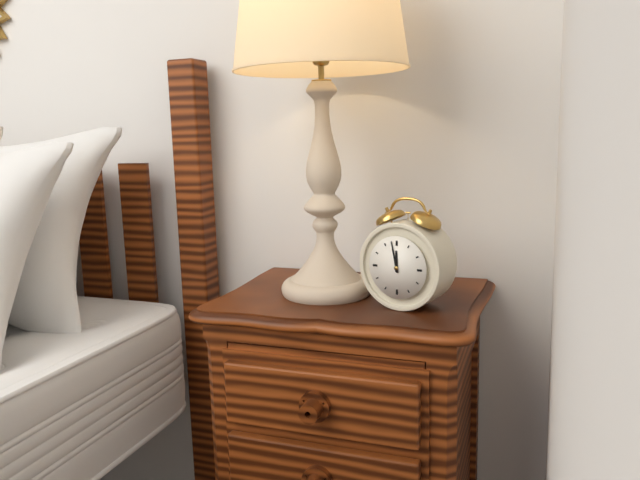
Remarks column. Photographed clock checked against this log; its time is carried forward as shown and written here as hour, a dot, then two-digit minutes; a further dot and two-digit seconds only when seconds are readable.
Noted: 11.58
